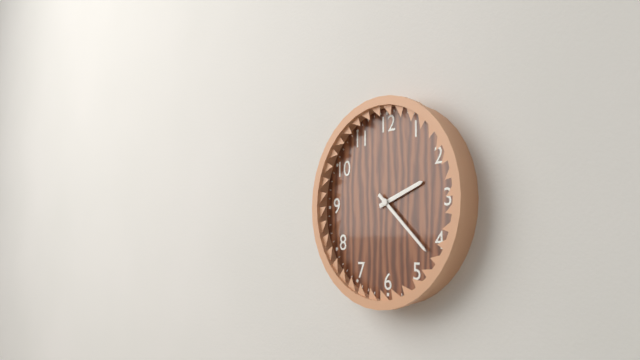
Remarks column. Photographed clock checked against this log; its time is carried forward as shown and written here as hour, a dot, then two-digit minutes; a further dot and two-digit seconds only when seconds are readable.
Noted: 2.22
